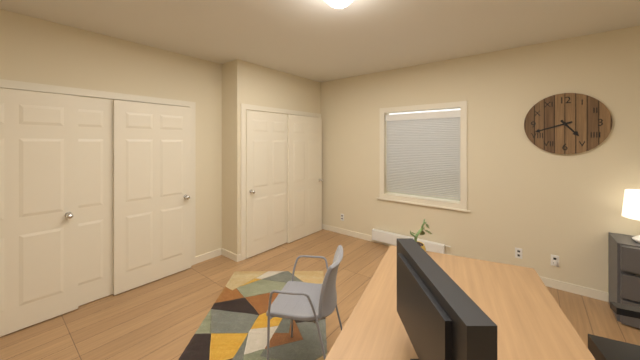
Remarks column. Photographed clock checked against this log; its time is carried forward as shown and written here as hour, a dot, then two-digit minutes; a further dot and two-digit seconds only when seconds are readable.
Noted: 4.42
